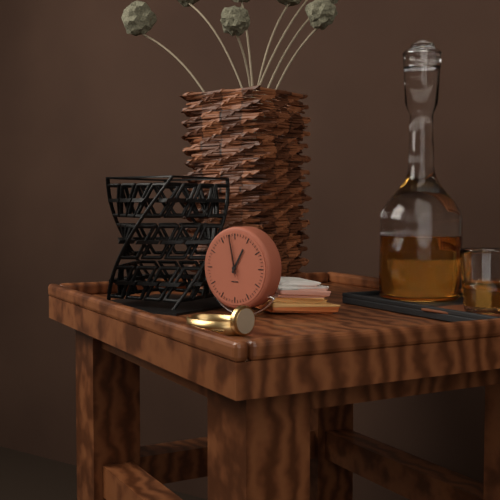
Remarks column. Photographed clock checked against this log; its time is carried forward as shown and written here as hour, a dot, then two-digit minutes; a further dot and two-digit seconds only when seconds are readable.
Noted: 12.58
